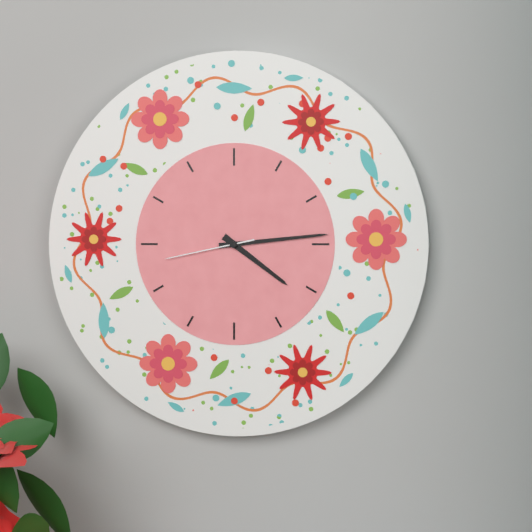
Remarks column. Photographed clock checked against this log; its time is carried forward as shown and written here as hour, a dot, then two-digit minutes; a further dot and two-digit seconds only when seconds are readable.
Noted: 4.14.43
